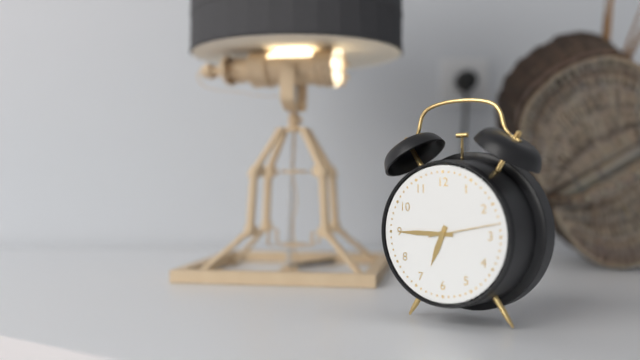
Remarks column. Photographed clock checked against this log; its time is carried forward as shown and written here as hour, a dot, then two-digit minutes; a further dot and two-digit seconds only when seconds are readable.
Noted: 6.45.13
